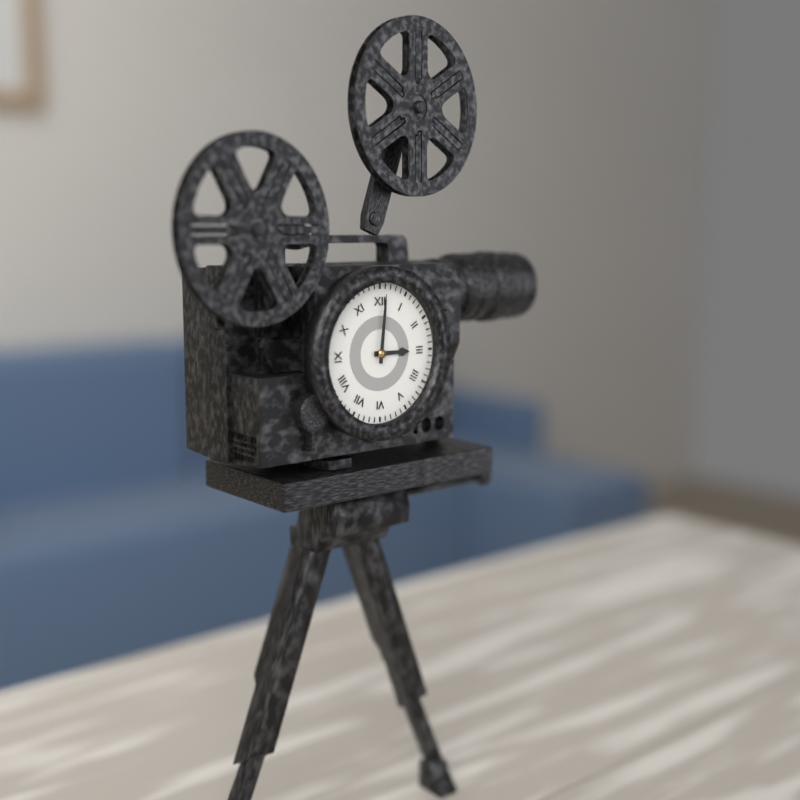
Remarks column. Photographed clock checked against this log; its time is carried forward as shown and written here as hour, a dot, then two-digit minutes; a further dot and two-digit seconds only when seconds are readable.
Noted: 3.01
